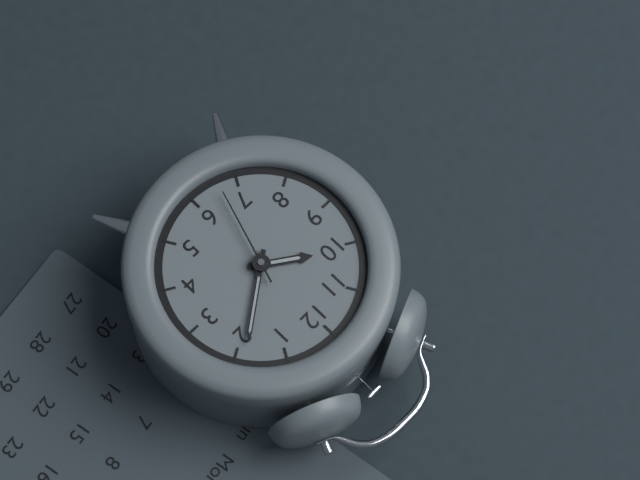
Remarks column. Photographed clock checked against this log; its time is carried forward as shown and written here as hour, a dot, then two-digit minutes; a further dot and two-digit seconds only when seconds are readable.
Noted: 10.09.33
